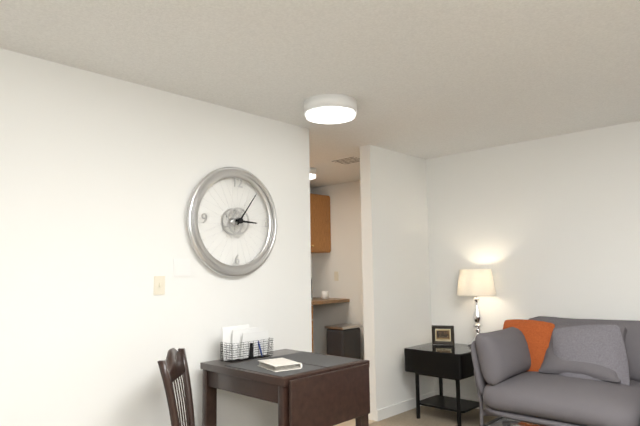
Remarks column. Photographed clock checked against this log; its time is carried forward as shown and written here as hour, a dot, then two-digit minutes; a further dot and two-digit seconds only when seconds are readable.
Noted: 3.06
